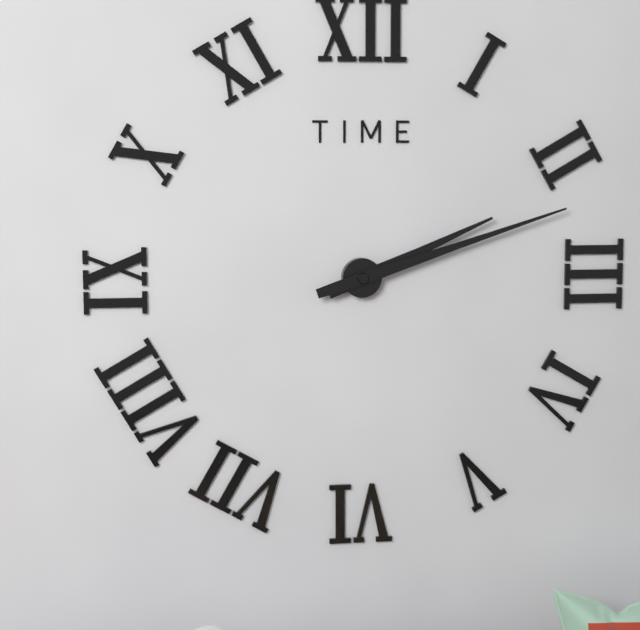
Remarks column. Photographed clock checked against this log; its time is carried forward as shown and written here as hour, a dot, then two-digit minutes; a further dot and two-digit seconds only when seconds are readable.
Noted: 2.12
